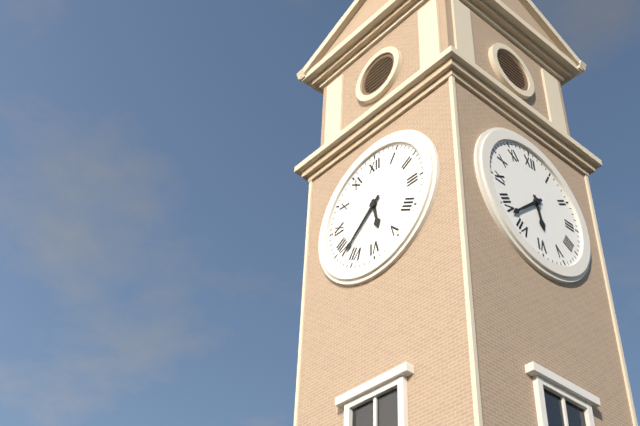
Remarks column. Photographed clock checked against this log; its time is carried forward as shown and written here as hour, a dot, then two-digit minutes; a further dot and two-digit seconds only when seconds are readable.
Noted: 5.38
